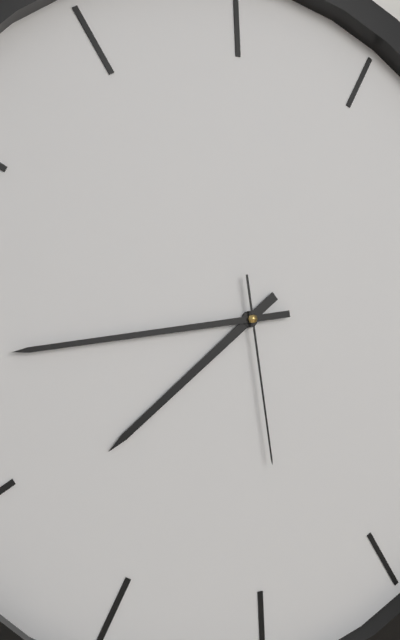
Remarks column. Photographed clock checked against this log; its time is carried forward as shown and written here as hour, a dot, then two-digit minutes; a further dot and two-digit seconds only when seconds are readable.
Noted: 7.44.29
